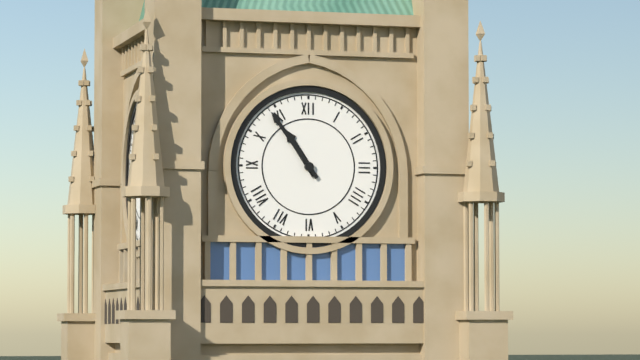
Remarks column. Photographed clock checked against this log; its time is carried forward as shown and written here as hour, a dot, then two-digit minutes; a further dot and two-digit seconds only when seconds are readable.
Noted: 10.54
